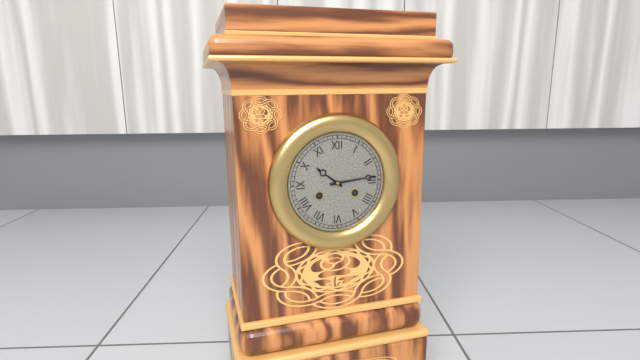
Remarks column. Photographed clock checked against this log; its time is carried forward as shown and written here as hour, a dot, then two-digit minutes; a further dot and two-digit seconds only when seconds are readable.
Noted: 10.14
